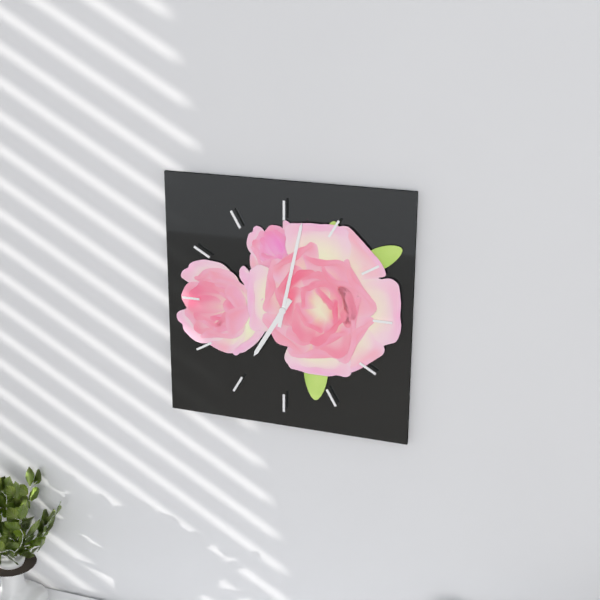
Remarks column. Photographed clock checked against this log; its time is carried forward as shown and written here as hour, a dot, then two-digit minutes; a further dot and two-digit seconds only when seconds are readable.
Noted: 7.02
